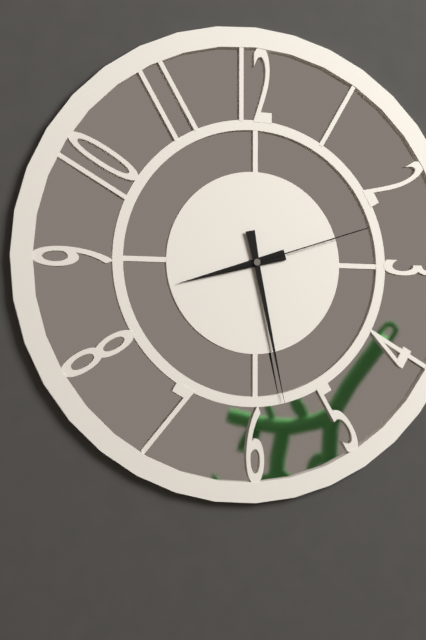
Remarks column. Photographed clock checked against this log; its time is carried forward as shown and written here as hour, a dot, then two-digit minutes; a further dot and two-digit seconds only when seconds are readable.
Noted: 8.28.12
